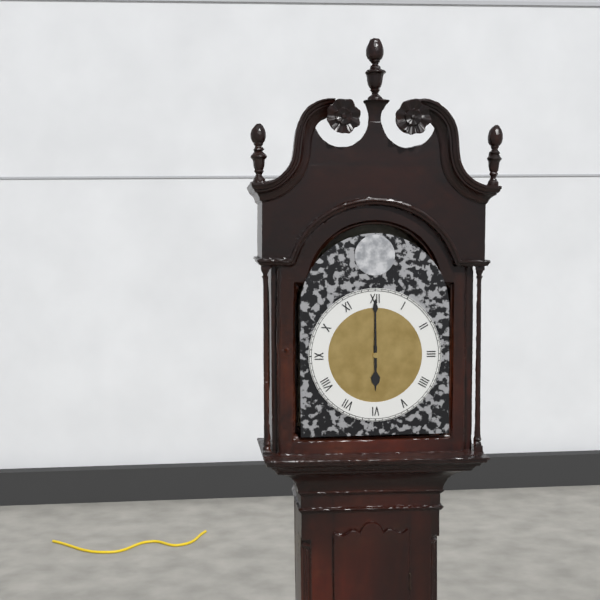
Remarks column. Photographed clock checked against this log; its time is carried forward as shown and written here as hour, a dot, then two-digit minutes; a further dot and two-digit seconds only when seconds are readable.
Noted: 6.00
